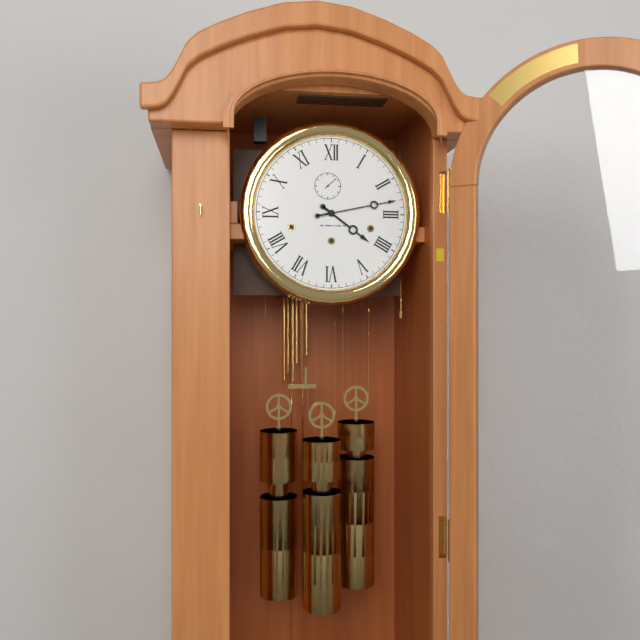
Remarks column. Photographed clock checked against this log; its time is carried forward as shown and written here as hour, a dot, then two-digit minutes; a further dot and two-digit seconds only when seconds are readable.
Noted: 4.13
